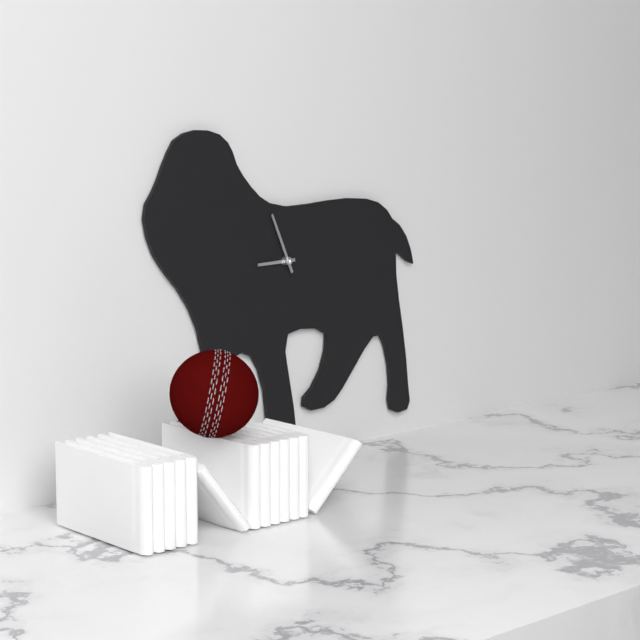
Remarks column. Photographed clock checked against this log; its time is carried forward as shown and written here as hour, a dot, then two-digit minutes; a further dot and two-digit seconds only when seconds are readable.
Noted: 8.56
